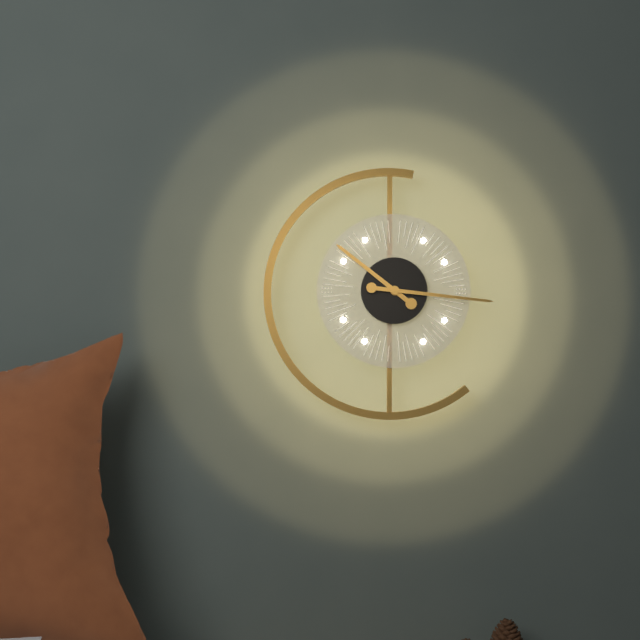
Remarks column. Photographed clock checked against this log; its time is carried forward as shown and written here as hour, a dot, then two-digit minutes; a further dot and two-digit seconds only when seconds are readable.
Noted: 10.16
